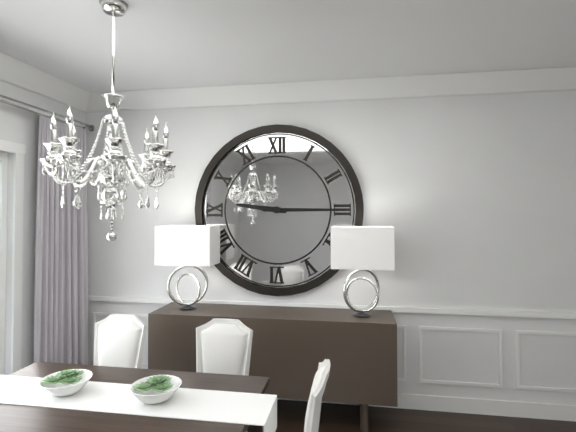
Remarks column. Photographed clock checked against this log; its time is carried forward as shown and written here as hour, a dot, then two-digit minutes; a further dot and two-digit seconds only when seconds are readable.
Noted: 9.15
